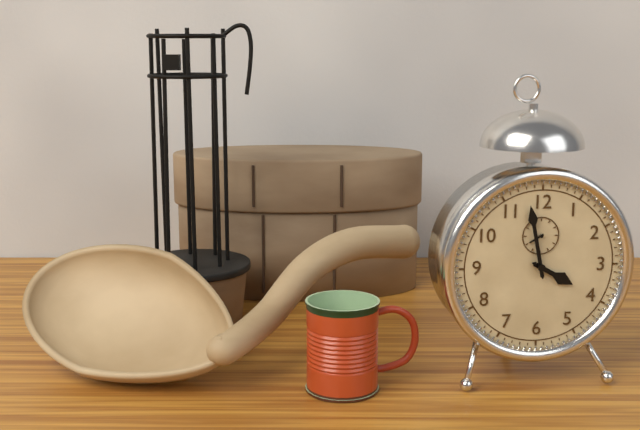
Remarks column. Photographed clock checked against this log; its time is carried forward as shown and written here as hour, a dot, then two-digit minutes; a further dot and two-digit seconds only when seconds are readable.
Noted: 3.58
